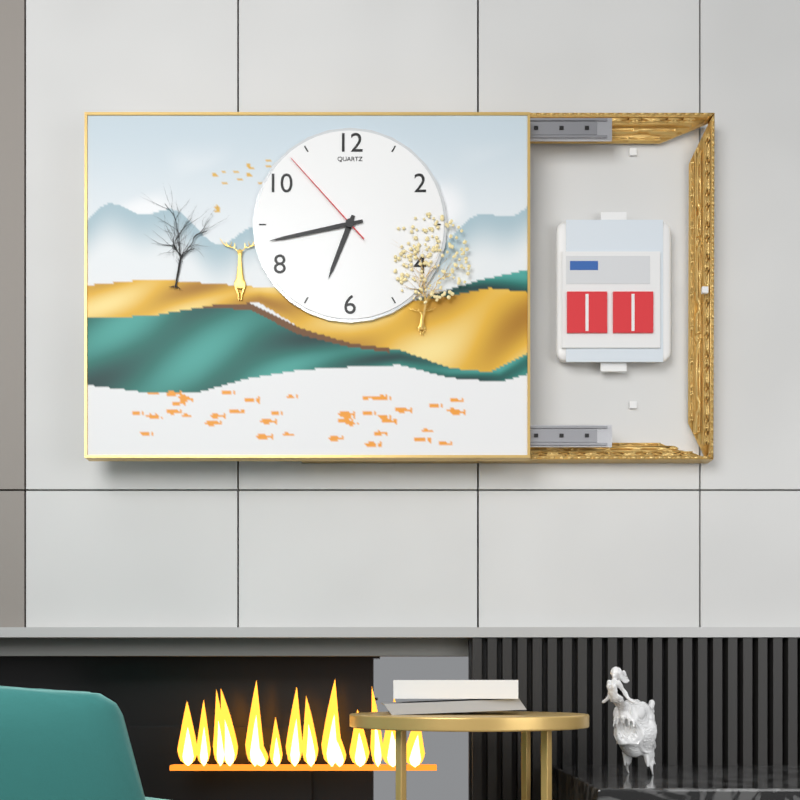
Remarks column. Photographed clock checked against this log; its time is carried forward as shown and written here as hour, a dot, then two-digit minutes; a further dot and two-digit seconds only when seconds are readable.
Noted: 6.43.53
